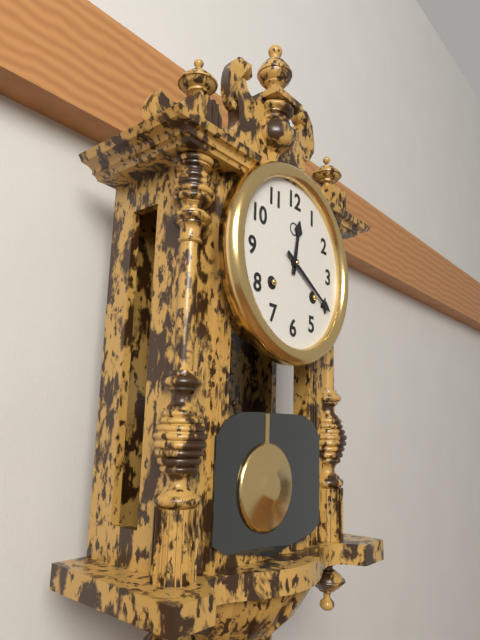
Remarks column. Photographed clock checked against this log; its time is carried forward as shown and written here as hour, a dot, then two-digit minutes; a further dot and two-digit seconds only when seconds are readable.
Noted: 12.20
